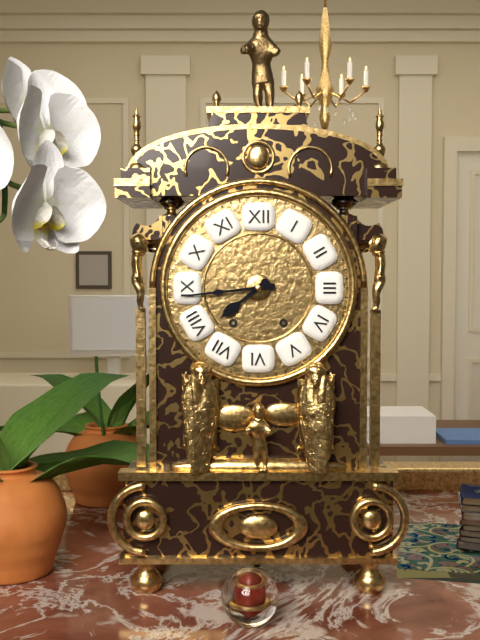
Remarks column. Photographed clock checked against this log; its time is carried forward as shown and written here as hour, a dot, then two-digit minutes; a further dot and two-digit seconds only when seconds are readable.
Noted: 7.44
